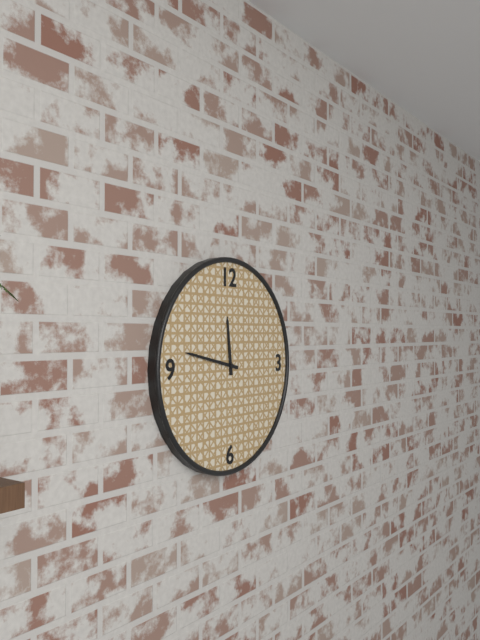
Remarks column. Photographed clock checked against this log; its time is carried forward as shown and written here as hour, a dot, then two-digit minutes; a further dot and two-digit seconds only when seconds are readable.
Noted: 11.47
